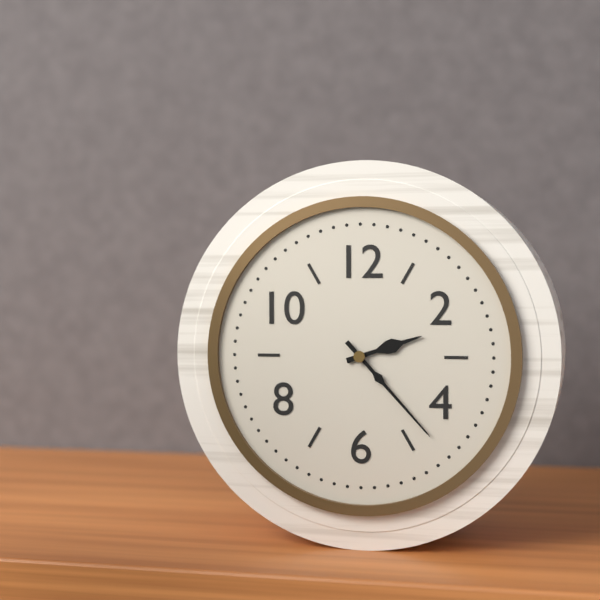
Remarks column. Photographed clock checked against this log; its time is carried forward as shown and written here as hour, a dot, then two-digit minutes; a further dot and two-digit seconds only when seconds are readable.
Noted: 2.23
